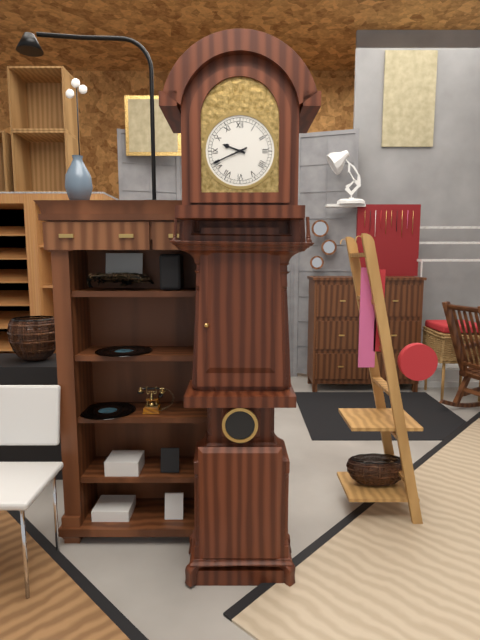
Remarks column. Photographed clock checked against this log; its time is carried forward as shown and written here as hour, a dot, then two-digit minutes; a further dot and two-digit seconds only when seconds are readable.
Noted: 9.41
